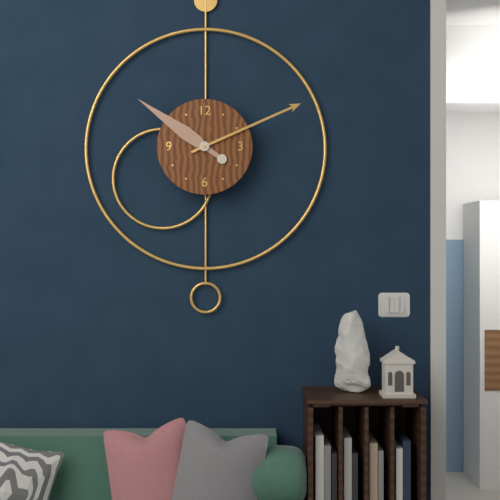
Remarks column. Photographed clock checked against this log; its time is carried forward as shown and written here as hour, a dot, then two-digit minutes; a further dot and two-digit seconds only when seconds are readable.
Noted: 10.11
